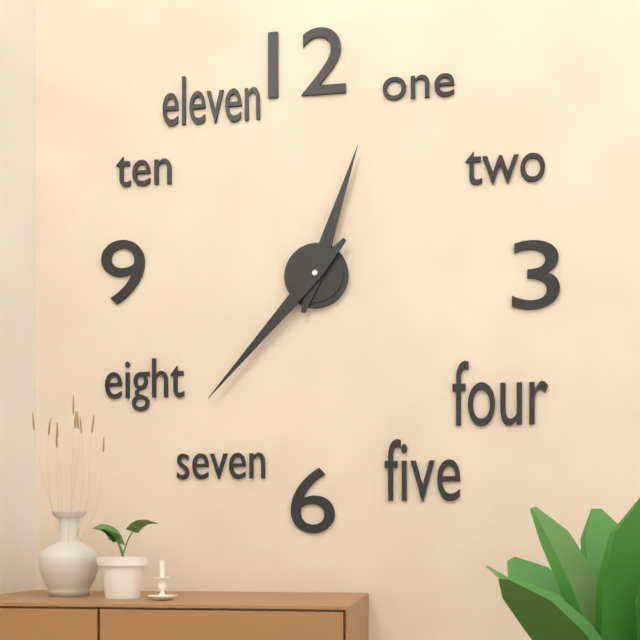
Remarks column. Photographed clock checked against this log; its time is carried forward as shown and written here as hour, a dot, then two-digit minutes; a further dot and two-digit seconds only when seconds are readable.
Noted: 12.37
